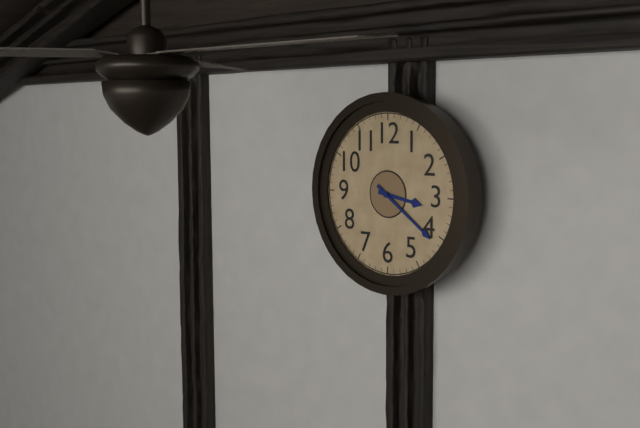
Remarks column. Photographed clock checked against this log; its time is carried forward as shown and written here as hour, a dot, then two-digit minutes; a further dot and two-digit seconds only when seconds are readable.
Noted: 3.21
